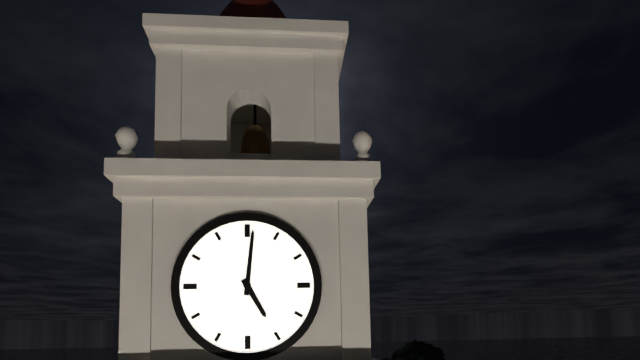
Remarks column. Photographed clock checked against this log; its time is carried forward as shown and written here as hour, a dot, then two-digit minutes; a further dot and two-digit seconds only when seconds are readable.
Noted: 5.01
